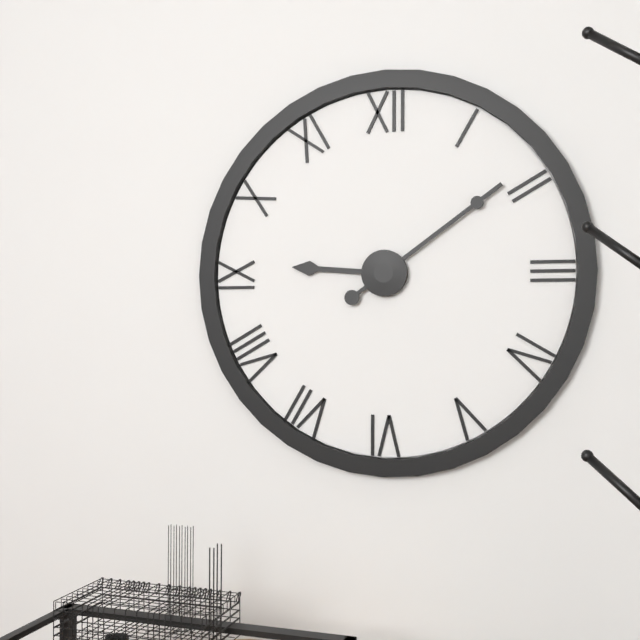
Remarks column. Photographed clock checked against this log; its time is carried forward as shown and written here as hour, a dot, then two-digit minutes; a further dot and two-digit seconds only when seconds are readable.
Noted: 9.09
